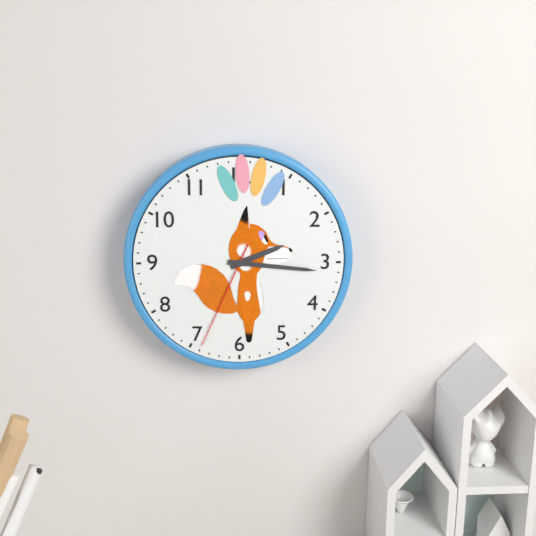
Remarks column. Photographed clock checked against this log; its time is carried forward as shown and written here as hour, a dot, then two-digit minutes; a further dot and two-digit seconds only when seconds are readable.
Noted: 2.16.34
